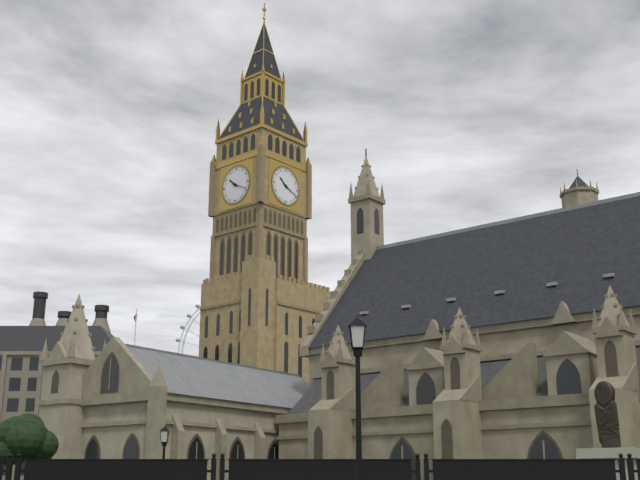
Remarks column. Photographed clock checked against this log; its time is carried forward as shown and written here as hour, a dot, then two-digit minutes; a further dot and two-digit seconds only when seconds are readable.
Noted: 10.19
